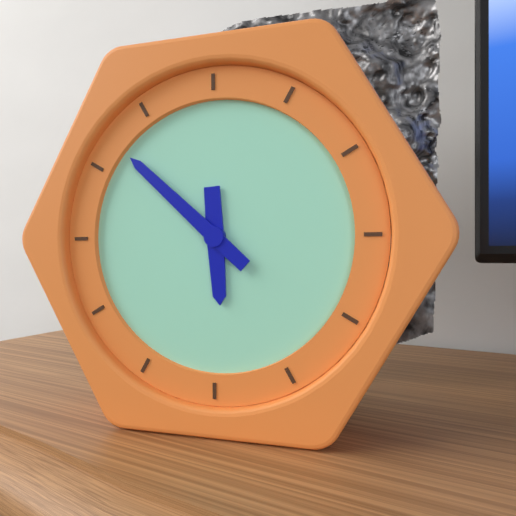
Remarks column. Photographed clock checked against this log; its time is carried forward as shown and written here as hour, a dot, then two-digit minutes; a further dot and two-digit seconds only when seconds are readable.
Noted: 5.52
